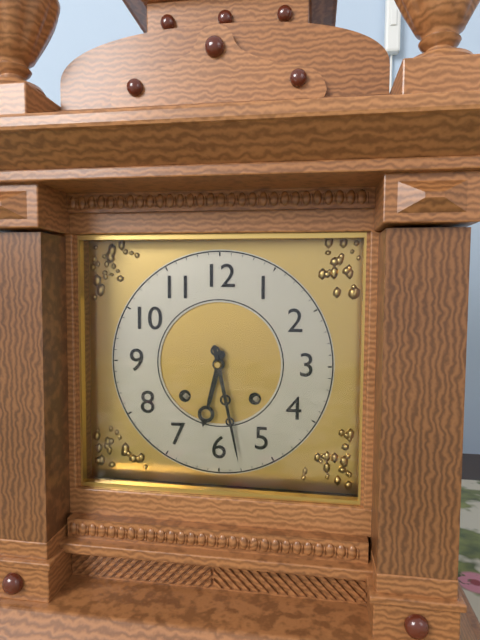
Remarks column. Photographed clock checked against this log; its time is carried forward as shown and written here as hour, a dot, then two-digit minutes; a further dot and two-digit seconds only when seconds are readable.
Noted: 6.28
